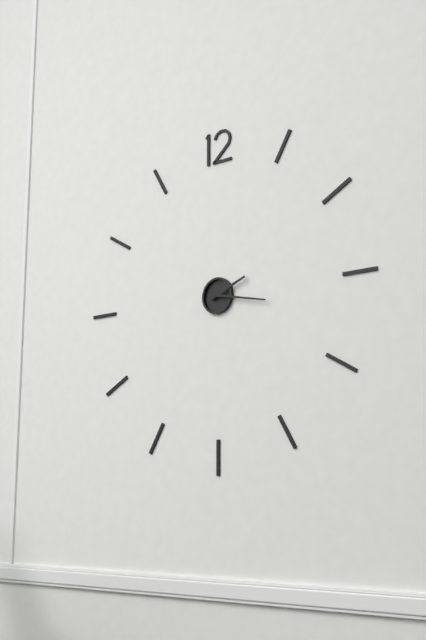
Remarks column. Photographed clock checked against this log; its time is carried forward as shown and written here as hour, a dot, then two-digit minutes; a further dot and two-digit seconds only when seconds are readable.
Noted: 2.17
